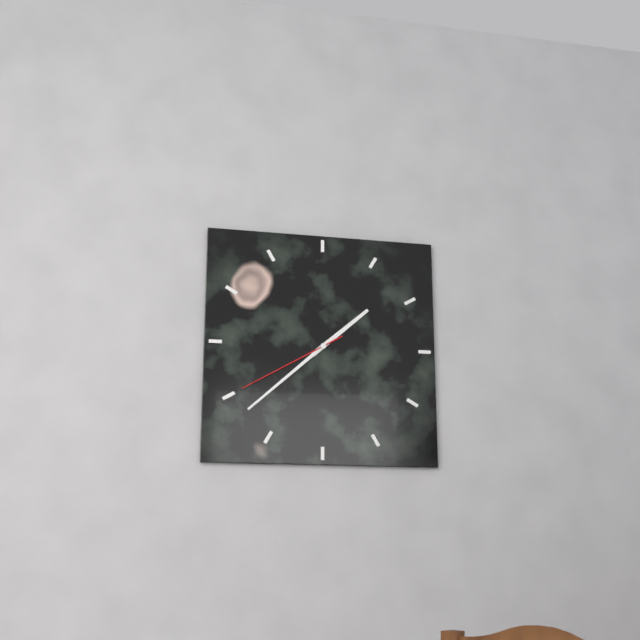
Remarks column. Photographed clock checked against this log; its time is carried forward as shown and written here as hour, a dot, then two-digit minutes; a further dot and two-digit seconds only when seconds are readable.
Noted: 1.38.40
